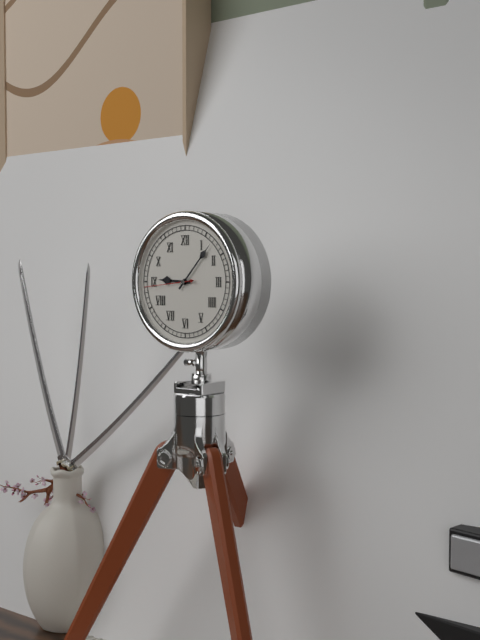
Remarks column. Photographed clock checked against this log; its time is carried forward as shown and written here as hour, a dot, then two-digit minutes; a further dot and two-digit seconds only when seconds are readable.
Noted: 9.07.44
